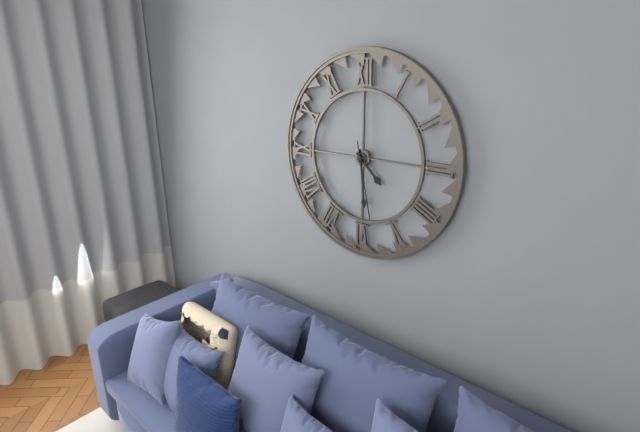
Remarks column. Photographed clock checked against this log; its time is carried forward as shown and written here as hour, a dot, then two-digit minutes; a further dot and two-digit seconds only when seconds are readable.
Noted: 4.29.28
